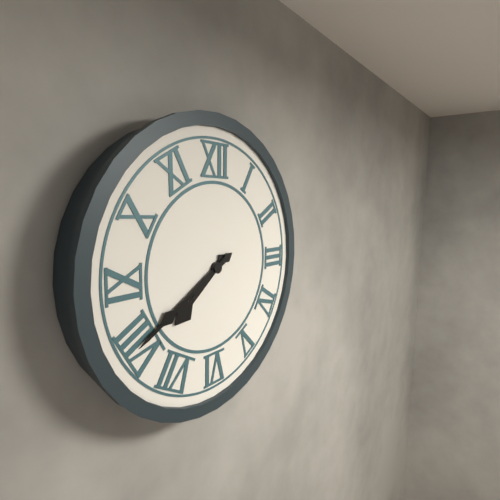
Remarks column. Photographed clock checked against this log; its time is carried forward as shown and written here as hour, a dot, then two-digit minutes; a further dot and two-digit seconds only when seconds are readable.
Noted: 7.40
